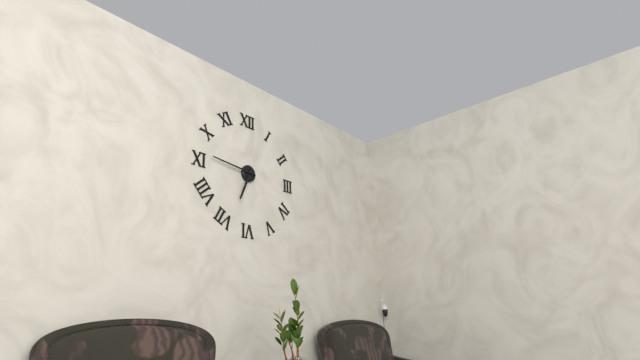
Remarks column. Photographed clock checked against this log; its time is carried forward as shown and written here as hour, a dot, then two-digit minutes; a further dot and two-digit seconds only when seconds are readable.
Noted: 6.46
